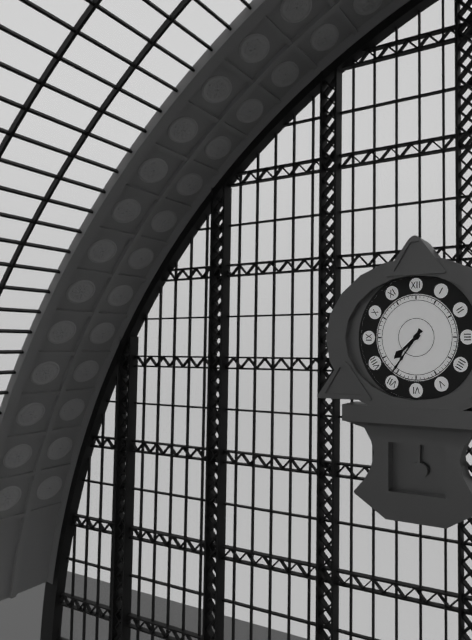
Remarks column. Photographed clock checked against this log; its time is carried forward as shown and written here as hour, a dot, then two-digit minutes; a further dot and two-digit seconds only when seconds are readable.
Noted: 7.36
